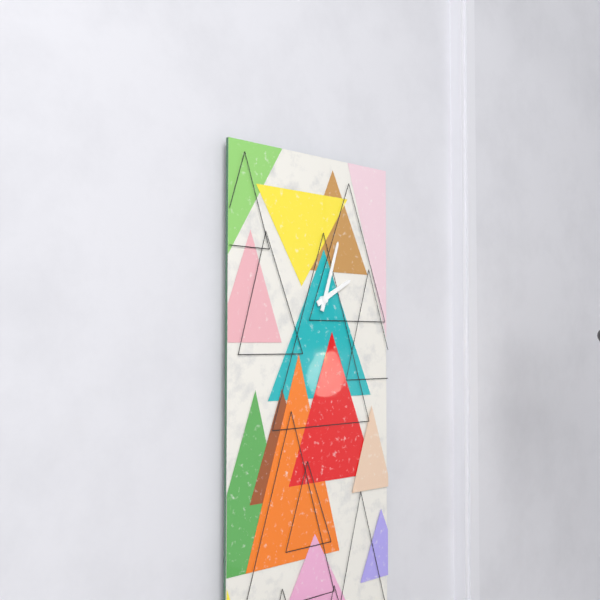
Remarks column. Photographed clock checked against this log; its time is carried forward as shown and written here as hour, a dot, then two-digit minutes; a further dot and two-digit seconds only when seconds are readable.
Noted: 2.03
